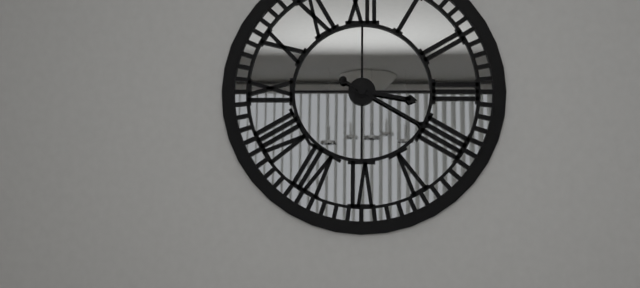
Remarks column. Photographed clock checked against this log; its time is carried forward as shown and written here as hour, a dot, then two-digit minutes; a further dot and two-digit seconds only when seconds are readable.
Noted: 3.20
